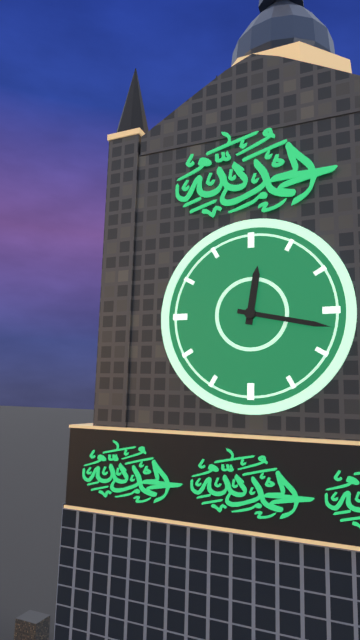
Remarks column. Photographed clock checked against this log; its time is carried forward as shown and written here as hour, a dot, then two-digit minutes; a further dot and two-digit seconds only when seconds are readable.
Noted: 12.17
